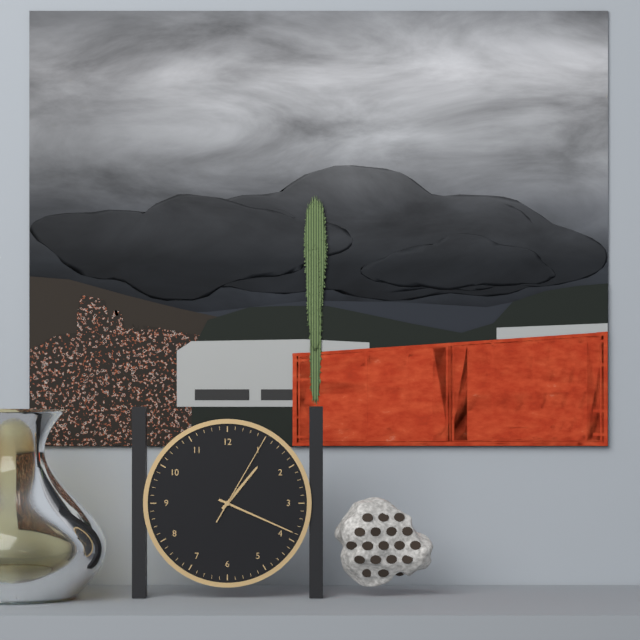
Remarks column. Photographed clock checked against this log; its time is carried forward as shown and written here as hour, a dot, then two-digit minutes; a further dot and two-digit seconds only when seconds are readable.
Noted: 1.19.05
